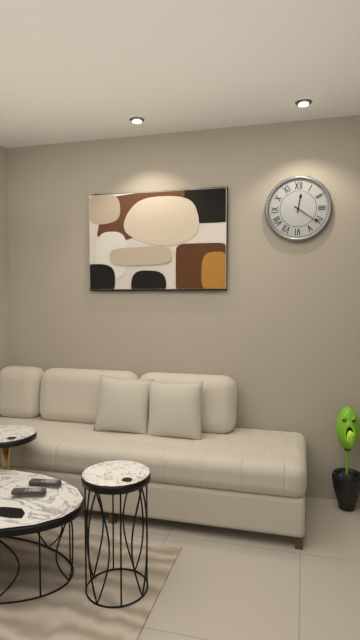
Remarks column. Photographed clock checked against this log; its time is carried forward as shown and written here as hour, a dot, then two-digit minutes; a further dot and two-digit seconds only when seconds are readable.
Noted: 12.21
